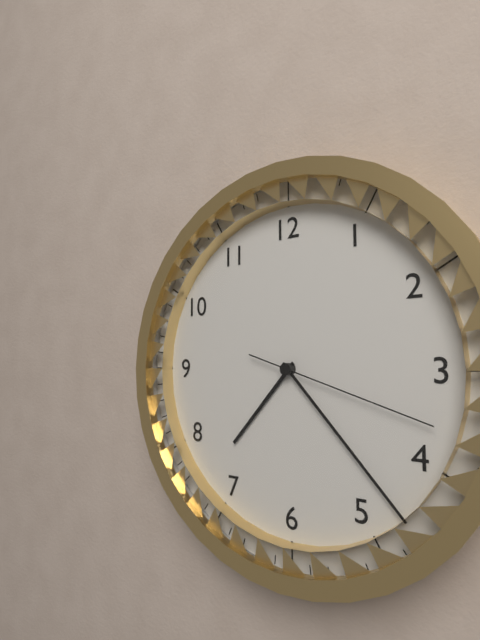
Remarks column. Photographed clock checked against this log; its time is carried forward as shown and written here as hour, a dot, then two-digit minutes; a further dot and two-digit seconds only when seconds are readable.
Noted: 7.23.18
